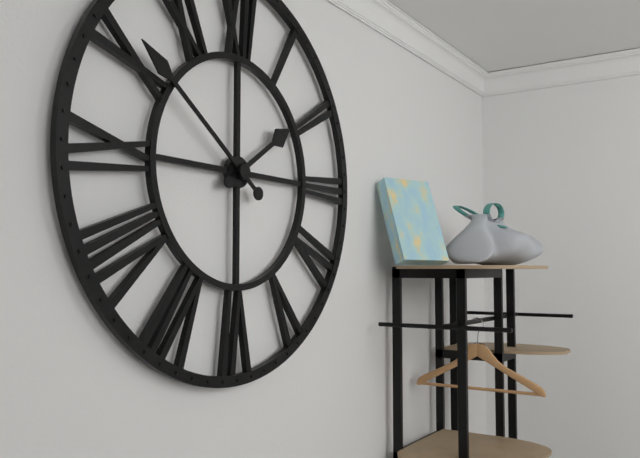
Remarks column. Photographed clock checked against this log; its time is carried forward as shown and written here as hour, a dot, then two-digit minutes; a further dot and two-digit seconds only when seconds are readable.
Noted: 1.51
